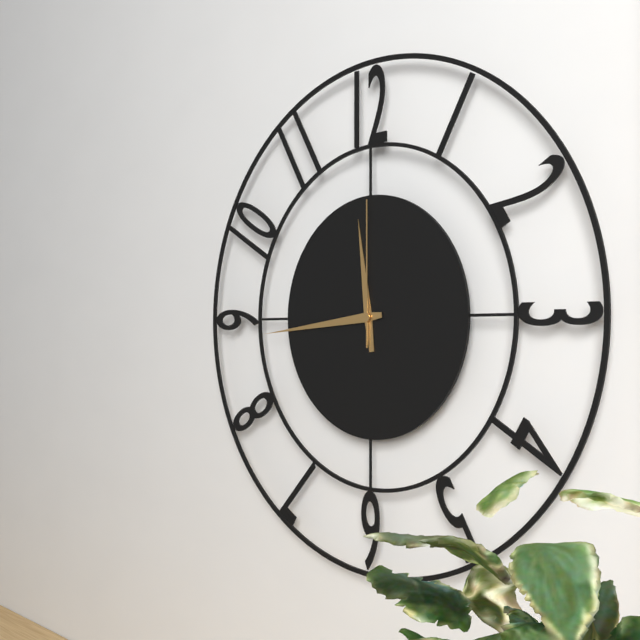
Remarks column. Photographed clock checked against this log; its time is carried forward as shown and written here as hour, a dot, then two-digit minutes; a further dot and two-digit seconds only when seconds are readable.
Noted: 11.44.00
